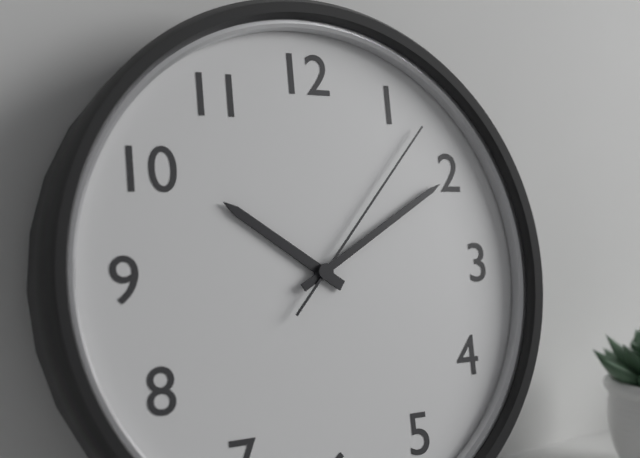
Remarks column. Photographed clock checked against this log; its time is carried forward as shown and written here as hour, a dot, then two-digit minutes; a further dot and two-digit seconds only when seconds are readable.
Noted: 10.10.07
